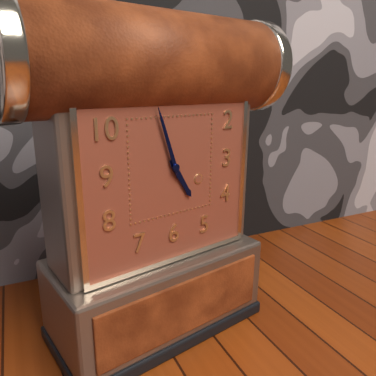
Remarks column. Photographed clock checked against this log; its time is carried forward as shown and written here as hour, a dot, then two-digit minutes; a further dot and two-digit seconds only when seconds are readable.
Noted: 4.57
